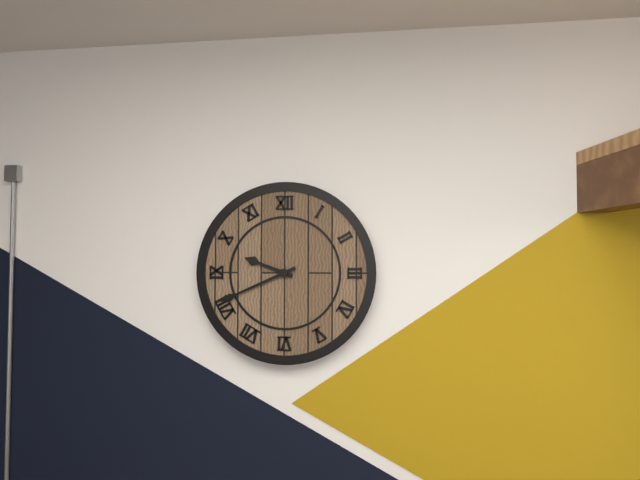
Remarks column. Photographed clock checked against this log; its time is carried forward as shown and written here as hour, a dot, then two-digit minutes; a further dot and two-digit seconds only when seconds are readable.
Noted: 9.41
